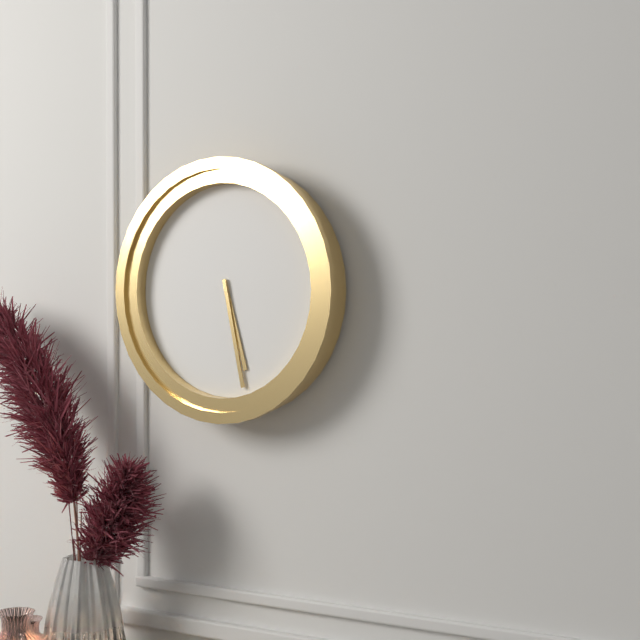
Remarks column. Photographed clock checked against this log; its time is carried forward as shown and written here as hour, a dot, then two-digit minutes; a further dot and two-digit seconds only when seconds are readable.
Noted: 5.28
